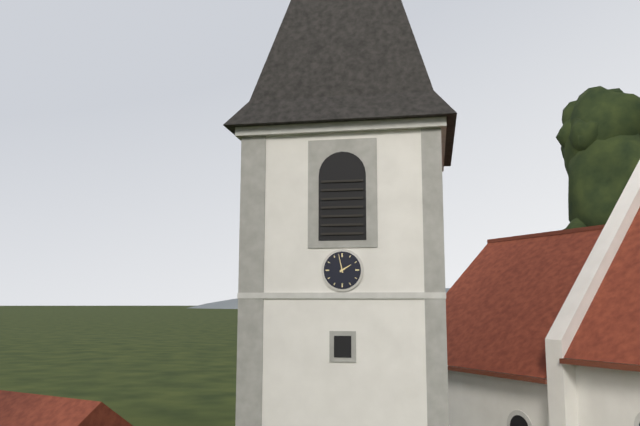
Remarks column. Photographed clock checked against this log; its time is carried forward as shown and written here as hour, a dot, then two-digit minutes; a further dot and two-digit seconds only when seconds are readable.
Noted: 1.58
